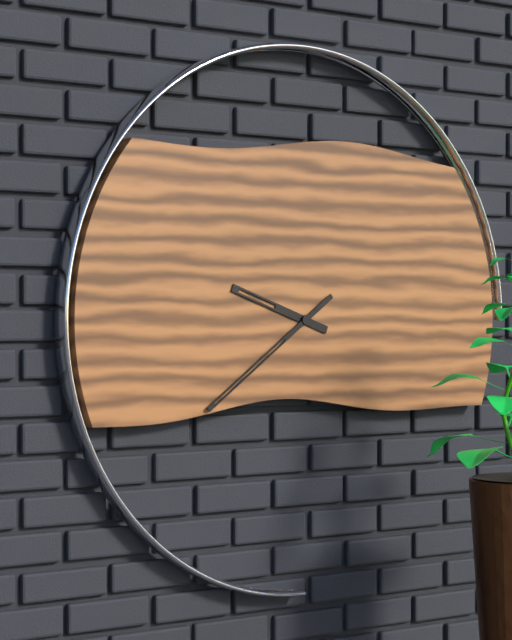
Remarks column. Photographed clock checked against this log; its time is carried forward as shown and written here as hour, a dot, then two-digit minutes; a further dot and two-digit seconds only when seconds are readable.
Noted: 9.39
